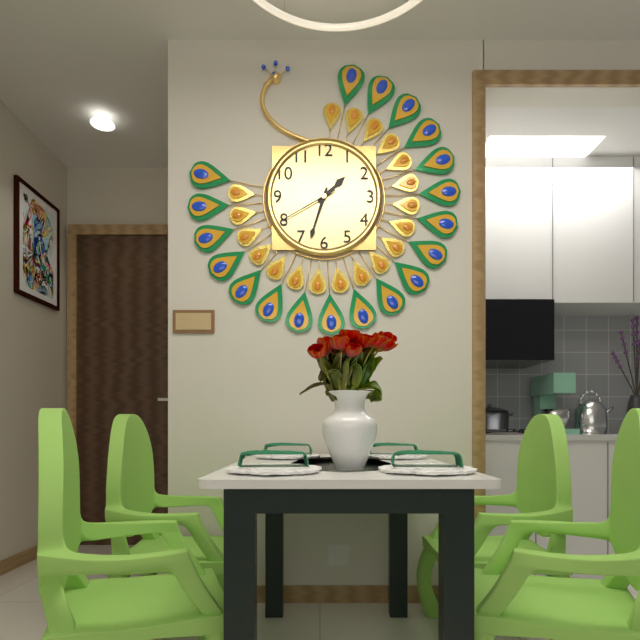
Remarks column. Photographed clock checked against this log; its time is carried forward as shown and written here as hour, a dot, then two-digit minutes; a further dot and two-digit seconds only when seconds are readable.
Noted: 1.33.40
